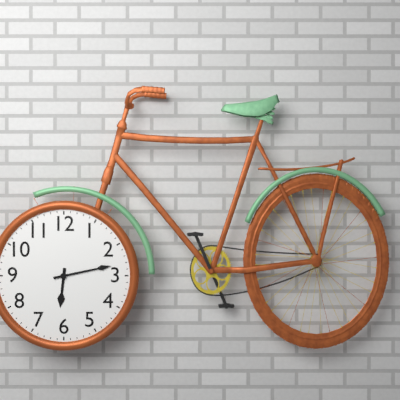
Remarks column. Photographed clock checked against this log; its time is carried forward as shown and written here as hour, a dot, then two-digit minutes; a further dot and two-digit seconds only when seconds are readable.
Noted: 6.13
